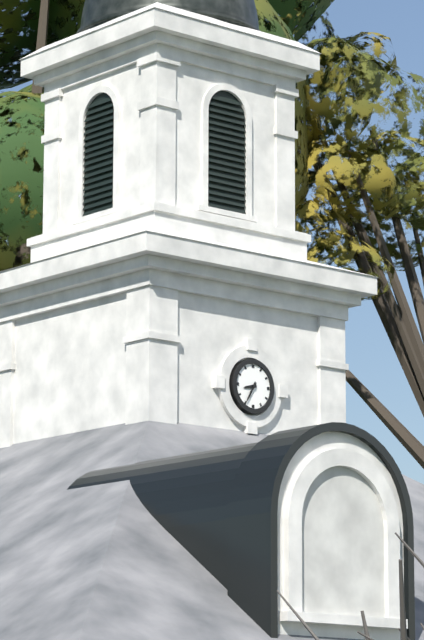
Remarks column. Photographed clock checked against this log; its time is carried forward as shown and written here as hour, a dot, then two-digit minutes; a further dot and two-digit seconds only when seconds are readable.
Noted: 8.35
